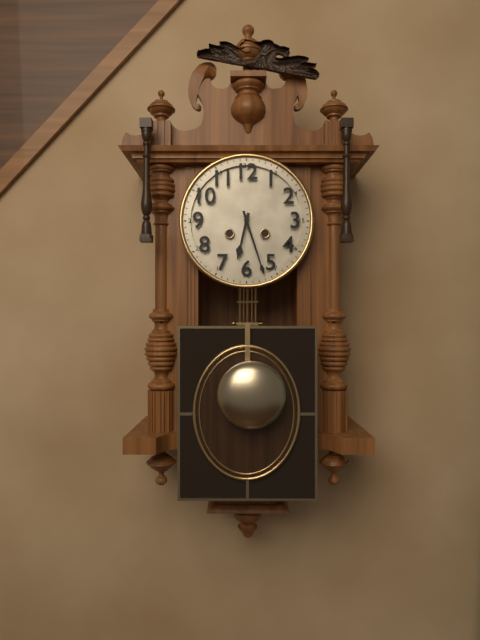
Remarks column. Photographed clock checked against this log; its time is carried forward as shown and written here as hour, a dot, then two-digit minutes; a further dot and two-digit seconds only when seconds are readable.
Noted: 6.27
